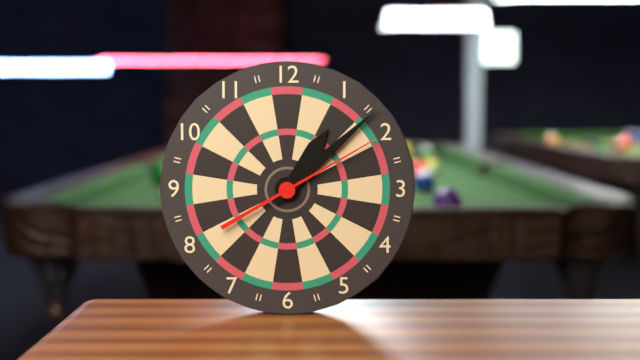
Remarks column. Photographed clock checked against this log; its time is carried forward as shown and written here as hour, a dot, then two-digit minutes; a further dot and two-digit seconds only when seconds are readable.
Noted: 1.08.10
